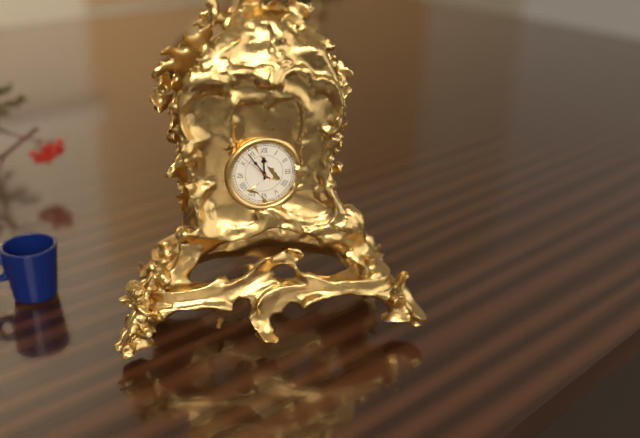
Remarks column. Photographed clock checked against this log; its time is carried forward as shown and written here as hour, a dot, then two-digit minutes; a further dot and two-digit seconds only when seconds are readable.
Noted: 11.54
